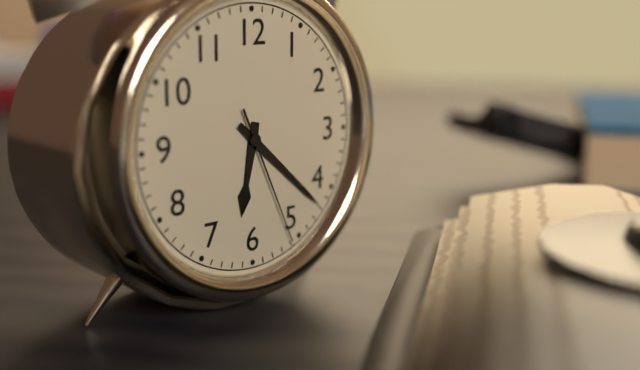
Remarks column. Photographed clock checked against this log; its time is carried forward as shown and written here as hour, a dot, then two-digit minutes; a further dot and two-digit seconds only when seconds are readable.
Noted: 6.22.26
